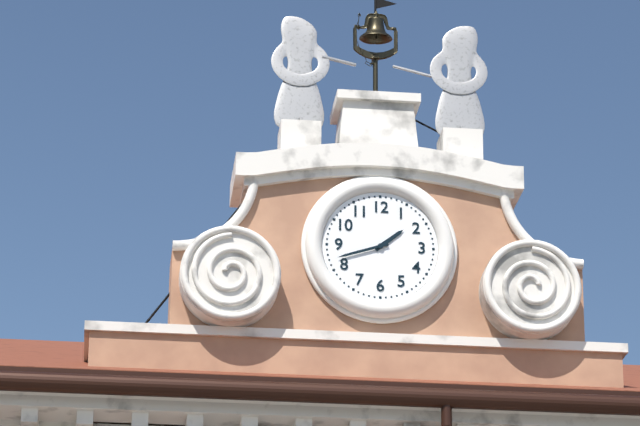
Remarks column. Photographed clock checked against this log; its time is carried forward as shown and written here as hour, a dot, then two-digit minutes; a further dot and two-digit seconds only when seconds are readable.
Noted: 1.42
